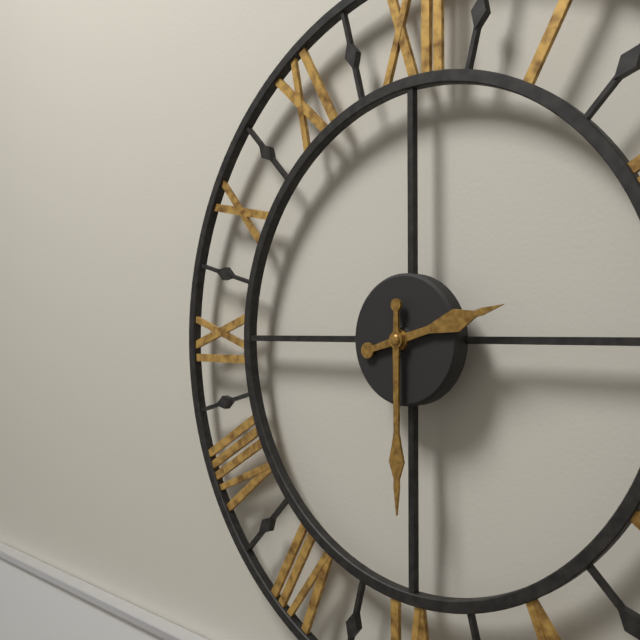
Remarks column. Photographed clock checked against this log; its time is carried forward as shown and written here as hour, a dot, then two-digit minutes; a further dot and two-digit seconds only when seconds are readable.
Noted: 2.30
